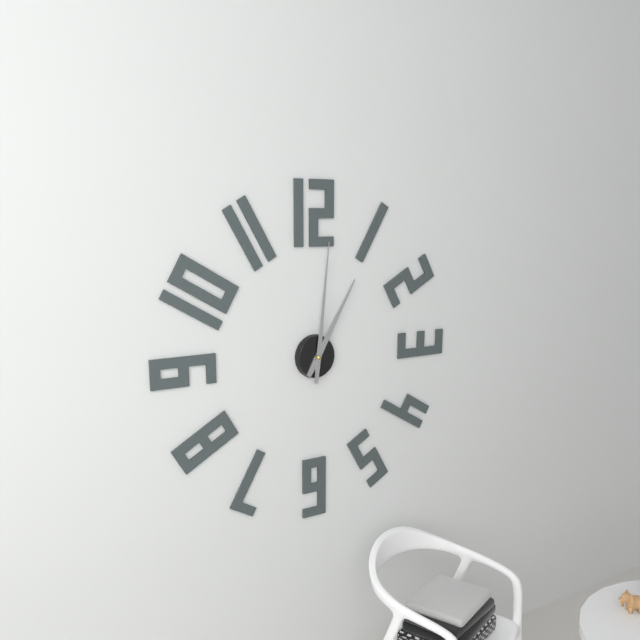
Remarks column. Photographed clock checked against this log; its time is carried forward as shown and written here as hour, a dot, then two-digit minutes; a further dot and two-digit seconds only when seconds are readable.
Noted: 1.01
